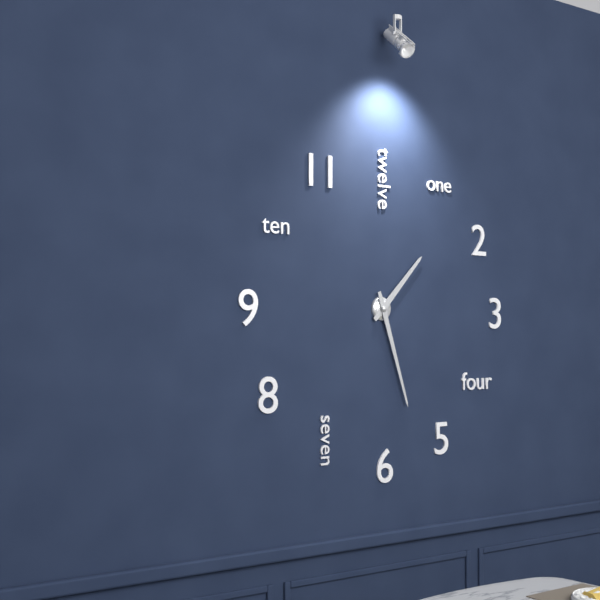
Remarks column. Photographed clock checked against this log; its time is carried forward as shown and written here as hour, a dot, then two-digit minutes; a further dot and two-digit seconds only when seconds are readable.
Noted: 1.27
